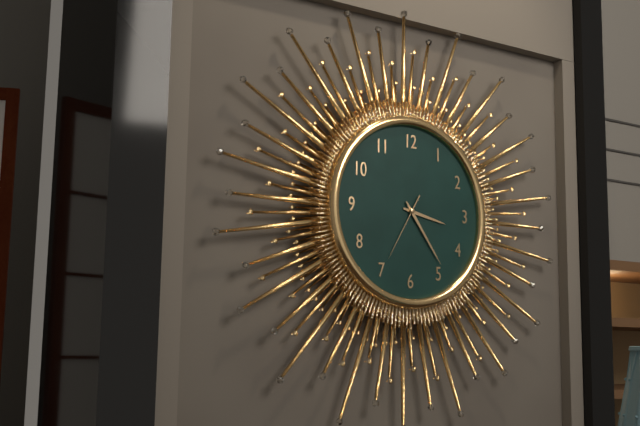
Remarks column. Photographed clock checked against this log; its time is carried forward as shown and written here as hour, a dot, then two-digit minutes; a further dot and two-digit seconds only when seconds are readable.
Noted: 3.24.35
